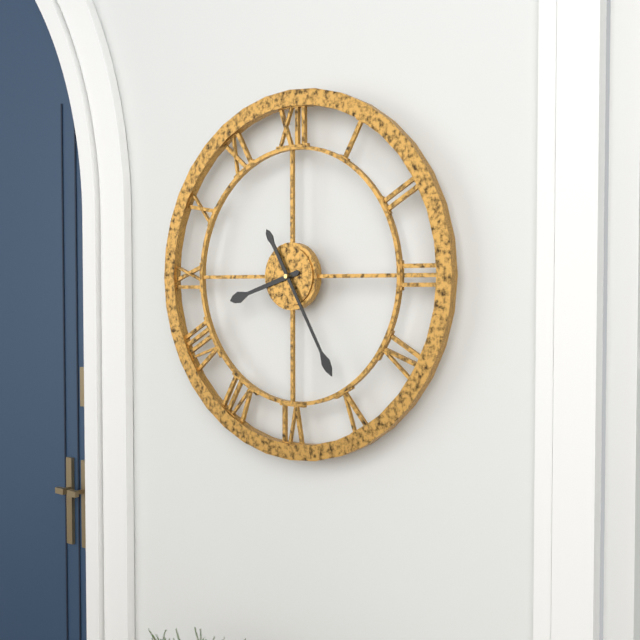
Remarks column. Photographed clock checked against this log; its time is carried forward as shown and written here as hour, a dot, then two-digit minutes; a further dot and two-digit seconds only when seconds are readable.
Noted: 8.25
